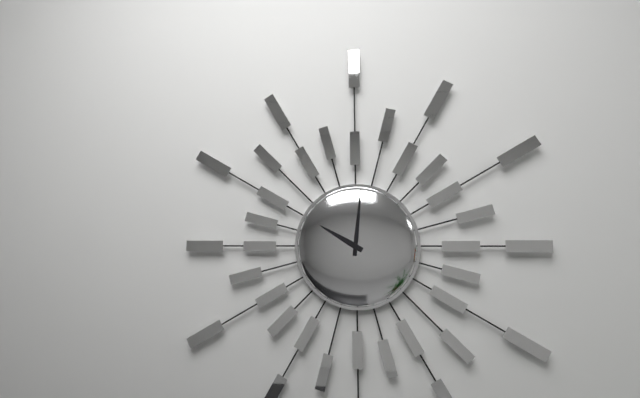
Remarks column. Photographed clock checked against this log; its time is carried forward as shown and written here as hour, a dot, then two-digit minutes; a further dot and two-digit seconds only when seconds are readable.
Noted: 10.01
